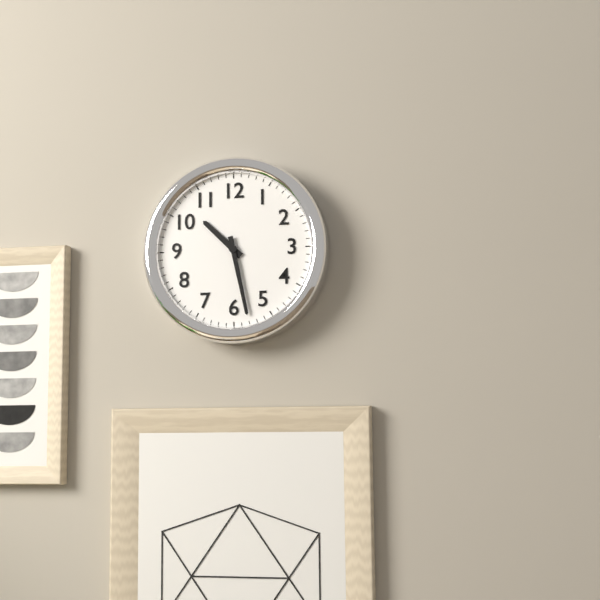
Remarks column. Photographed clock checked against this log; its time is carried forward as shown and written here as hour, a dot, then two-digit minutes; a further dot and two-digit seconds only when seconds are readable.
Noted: 10.28
